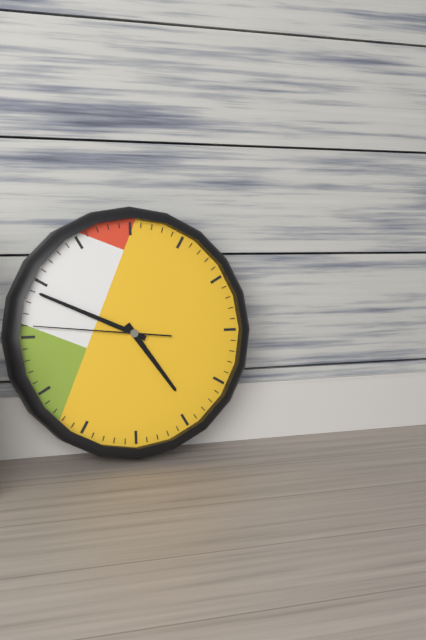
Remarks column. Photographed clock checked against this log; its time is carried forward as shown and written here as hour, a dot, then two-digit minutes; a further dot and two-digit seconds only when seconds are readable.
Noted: 4.49.46
